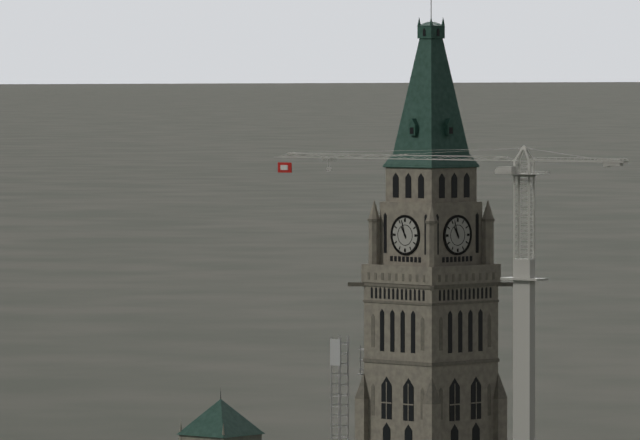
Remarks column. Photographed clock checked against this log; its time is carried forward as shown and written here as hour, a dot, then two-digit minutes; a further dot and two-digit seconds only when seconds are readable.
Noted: 10.57
